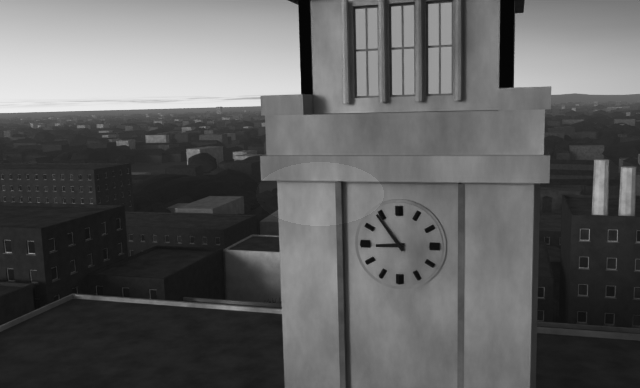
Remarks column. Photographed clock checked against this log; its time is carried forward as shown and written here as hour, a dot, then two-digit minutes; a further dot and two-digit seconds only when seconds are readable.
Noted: 8.54
